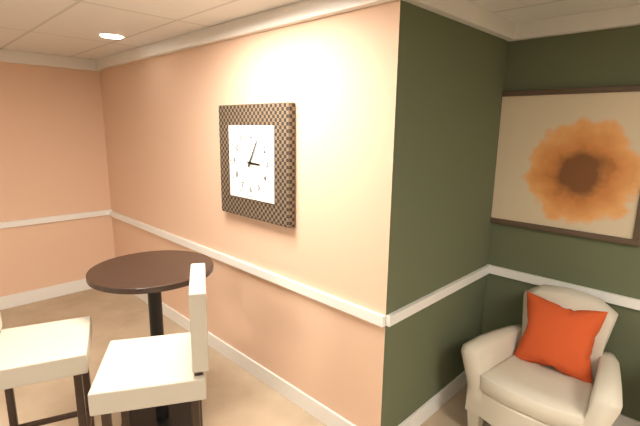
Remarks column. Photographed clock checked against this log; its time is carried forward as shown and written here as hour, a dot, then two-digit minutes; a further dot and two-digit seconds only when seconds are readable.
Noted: 3.05
